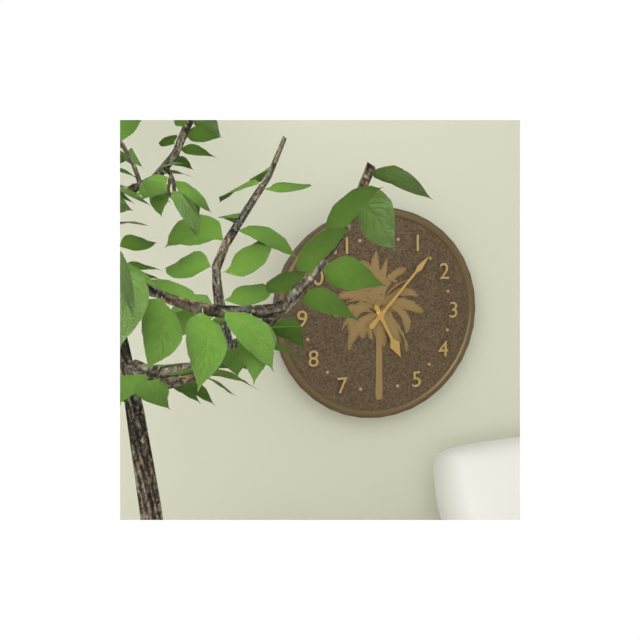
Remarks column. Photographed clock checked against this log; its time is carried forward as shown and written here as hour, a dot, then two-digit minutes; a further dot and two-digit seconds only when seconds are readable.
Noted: 5.07
